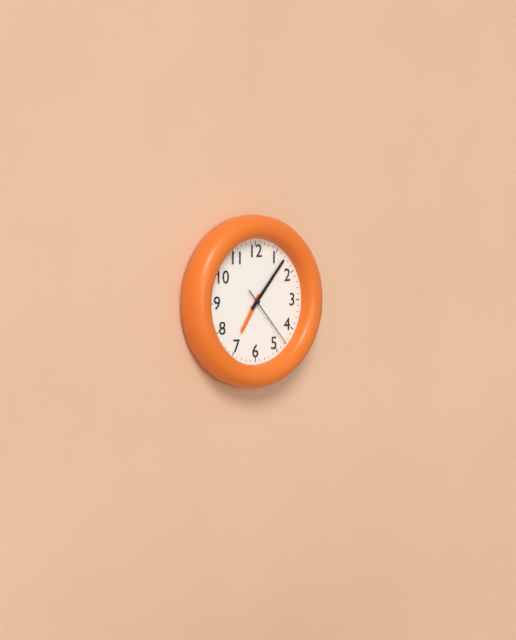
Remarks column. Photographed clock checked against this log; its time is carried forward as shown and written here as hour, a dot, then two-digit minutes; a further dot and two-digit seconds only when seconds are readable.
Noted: 7.07.23
